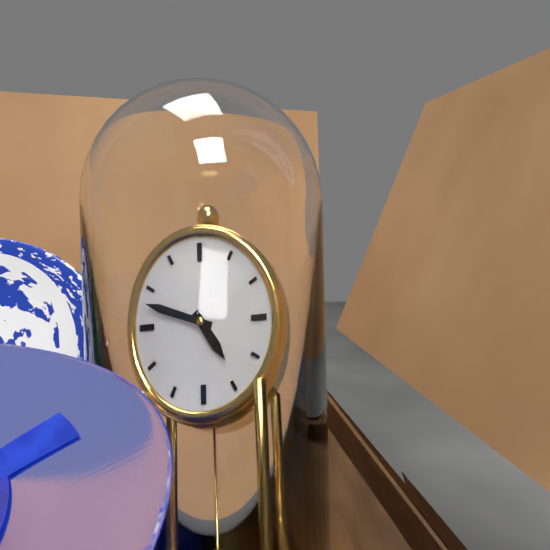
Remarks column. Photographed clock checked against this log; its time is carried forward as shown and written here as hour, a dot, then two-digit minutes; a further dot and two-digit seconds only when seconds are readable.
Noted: 4.48
